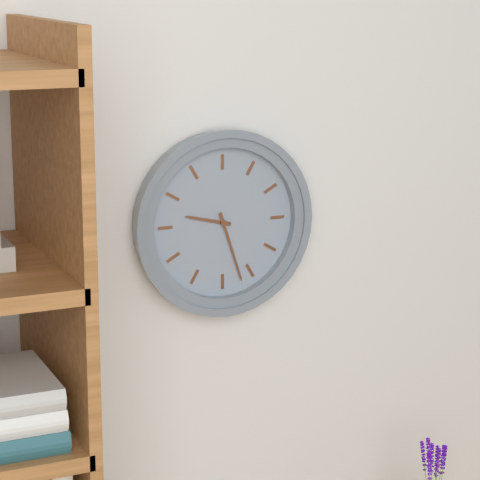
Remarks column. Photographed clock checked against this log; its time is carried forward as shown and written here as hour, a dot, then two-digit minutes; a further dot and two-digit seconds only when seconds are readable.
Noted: 9.27
